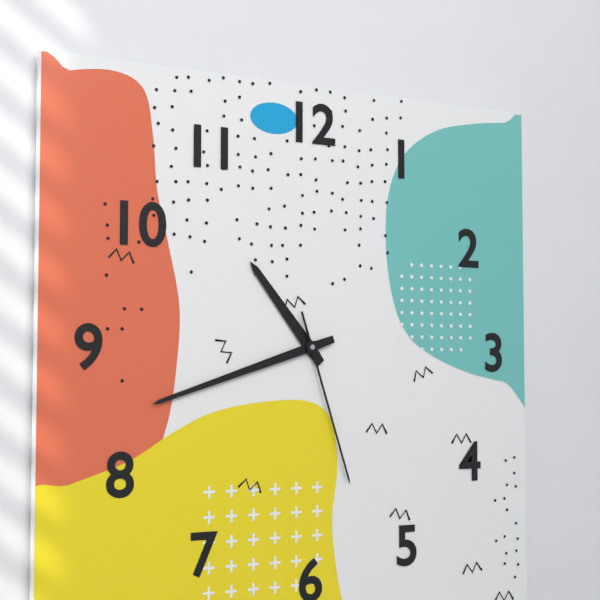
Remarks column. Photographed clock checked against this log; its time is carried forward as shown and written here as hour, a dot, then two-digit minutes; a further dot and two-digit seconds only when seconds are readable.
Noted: 10.42.27
